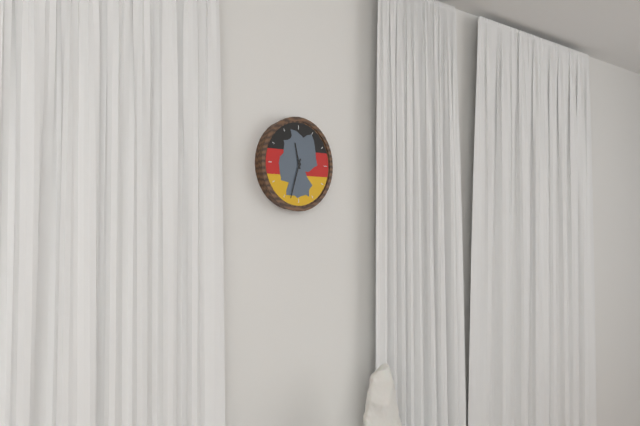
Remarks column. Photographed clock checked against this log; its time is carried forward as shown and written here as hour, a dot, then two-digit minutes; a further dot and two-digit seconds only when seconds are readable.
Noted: 11.33
